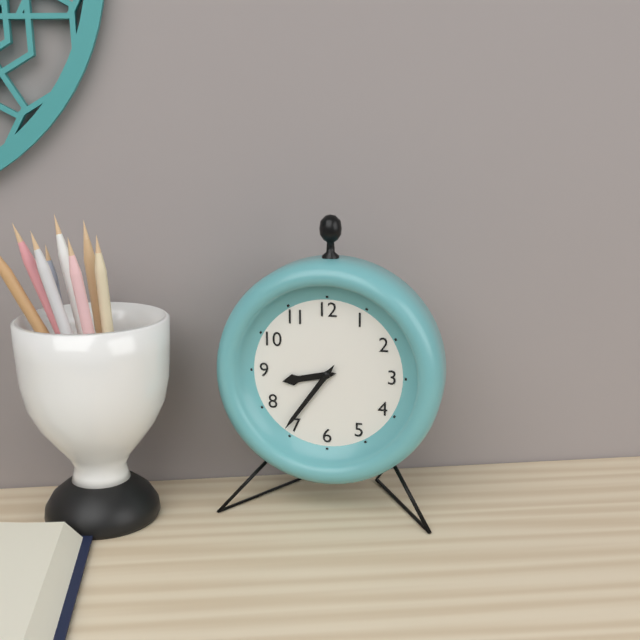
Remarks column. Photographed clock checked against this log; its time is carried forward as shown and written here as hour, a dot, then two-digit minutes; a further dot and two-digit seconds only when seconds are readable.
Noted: 8.36
